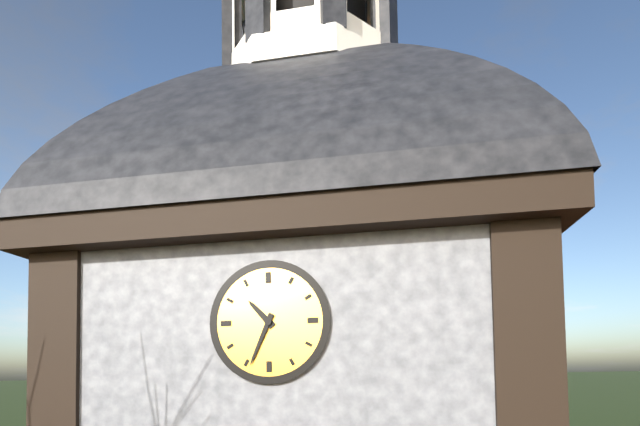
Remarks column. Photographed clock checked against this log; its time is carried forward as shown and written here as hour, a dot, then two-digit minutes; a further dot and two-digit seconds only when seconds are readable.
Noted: 10.34
